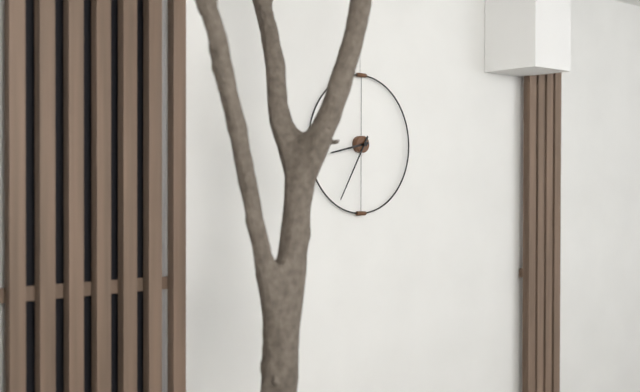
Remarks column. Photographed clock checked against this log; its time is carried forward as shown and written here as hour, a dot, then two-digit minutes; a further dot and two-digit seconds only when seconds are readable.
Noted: 8.35
